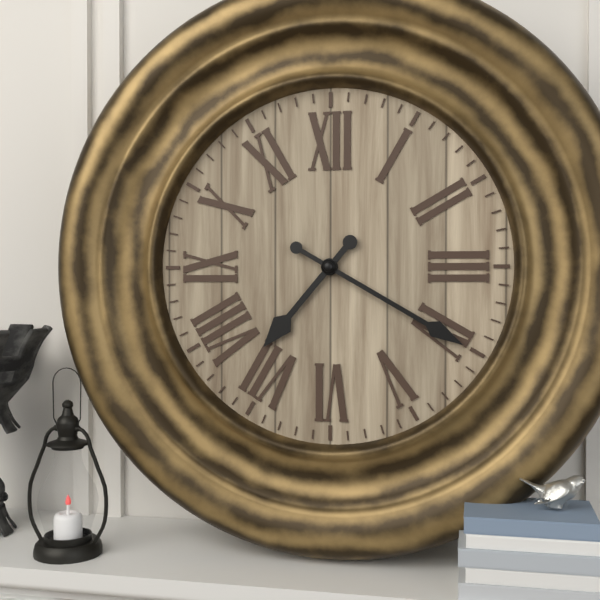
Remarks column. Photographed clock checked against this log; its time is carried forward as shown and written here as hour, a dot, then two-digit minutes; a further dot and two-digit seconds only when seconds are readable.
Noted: 7.20
